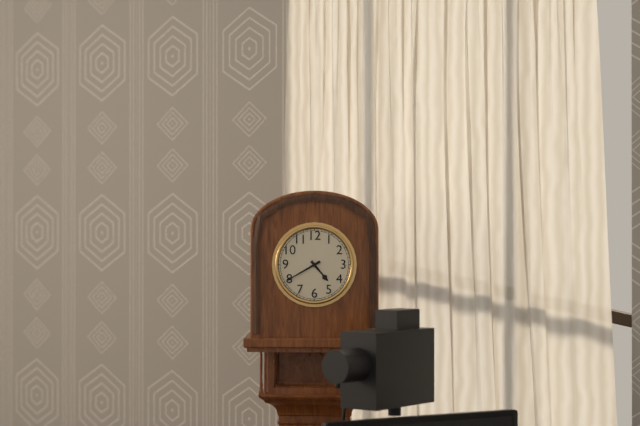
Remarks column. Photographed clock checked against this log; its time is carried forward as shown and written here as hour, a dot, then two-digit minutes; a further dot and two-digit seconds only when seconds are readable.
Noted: 4.40
